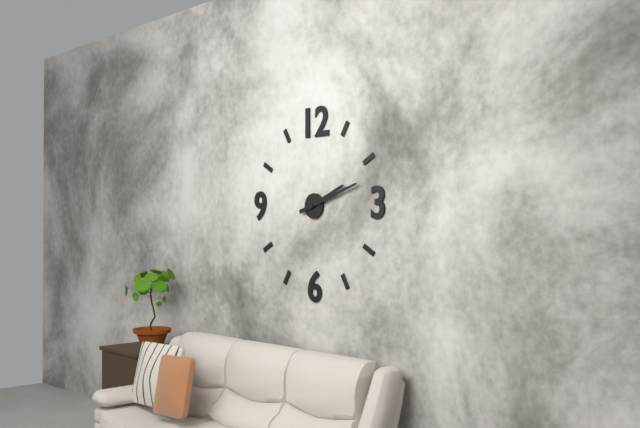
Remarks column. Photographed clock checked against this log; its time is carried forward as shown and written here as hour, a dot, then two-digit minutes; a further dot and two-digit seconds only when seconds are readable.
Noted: 2.12
